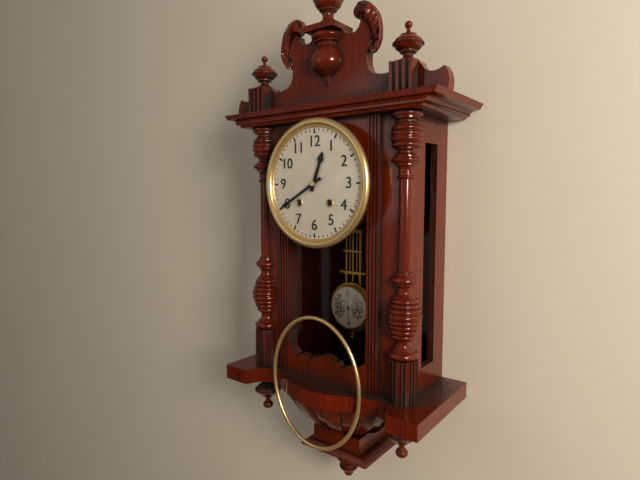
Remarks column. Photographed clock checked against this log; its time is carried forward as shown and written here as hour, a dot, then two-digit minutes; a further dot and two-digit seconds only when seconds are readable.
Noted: 12.40
